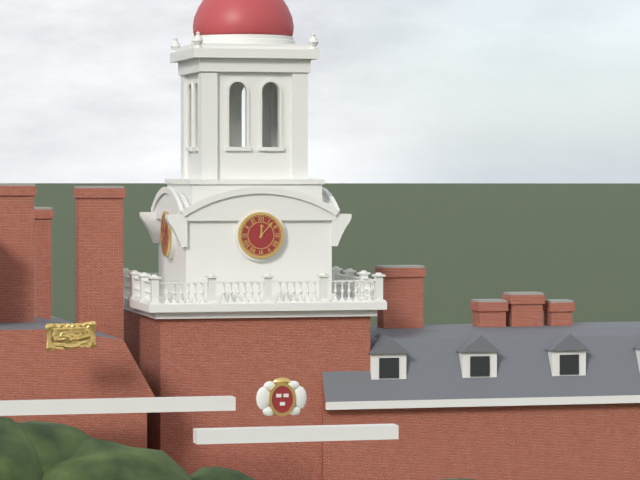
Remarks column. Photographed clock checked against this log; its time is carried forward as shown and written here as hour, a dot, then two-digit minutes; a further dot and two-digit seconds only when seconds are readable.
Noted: 12.07
